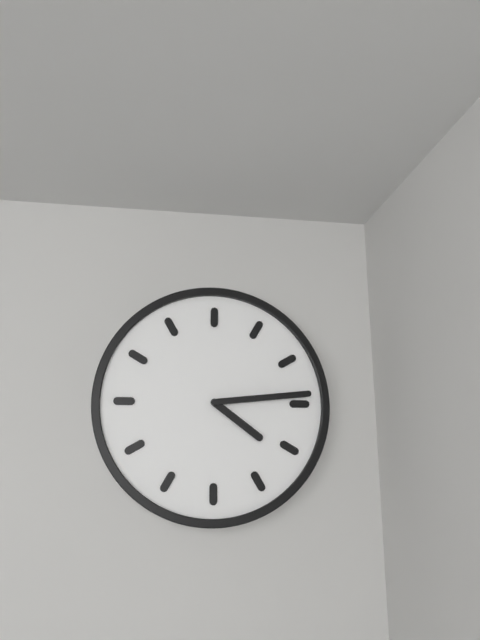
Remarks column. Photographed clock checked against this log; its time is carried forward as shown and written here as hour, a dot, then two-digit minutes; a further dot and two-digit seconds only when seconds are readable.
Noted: 4.14
